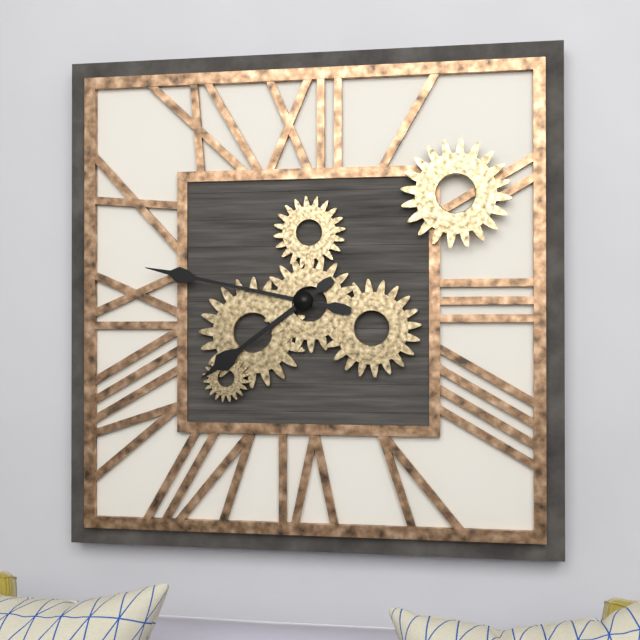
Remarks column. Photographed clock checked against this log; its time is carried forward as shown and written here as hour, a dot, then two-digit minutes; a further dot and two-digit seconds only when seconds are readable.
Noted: 7.47
